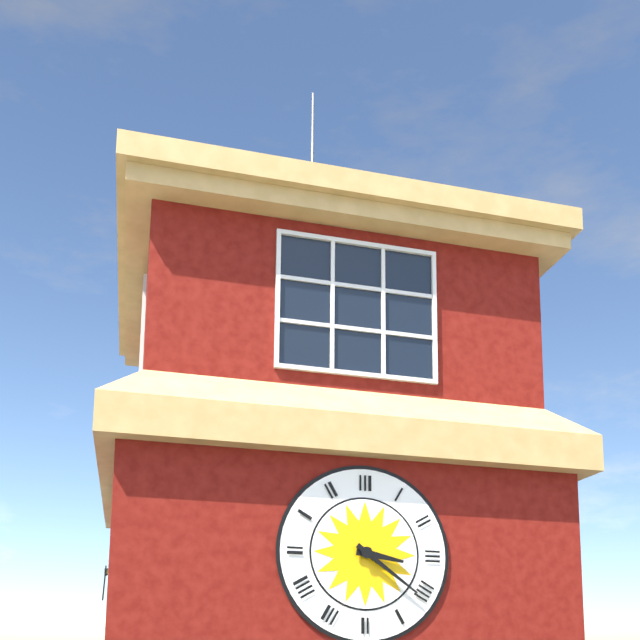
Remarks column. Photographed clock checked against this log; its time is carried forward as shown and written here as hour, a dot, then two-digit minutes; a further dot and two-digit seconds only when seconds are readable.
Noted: 3.21
